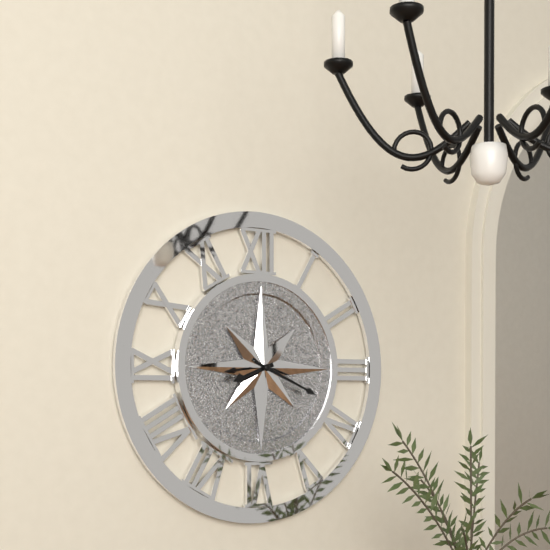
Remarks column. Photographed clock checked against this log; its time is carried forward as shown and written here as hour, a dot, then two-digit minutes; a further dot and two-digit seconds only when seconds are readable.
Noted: 8.19
